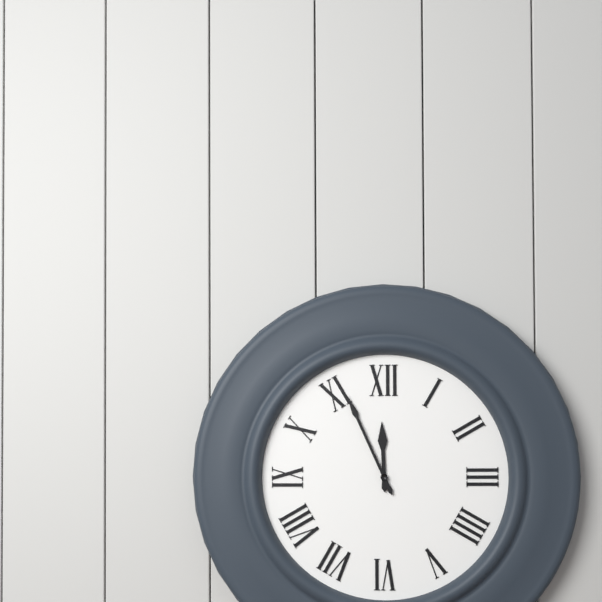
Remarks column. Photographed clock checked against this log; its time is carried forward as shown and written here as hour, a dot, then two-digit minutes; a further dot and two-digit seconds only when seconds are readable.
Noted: 11.56
